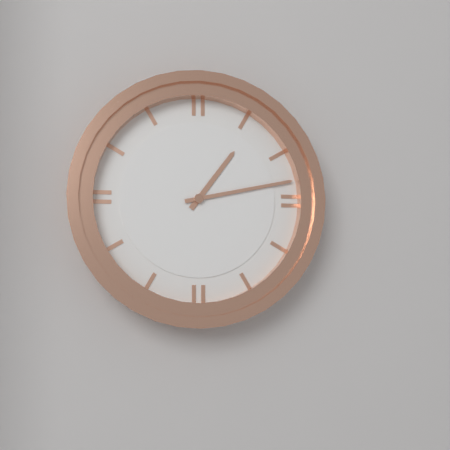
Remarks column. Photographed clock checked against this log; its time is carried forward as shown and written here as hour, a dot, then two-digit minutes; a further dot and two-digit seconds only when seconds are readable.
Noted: 1.13
